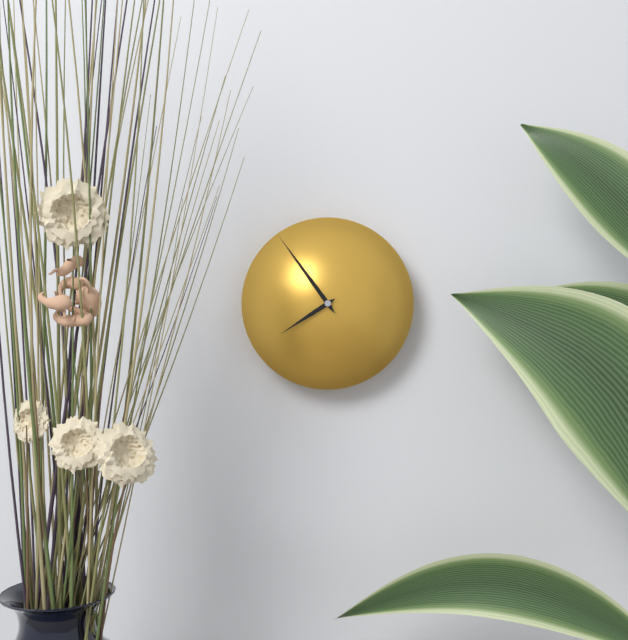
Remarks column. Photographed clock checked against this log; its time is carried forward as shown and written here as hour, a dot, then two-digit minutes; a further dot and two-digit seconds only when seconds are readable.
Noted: 7.54
